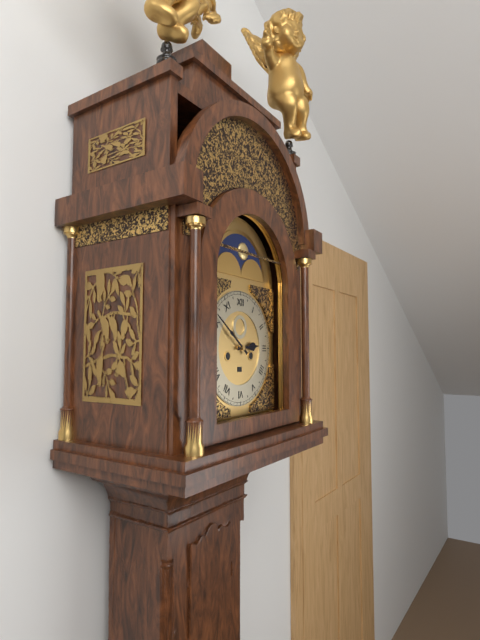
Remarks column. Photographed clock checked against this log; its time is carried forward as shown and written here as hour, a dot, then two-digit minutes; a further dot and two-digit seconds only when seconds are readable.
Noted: 2.51
